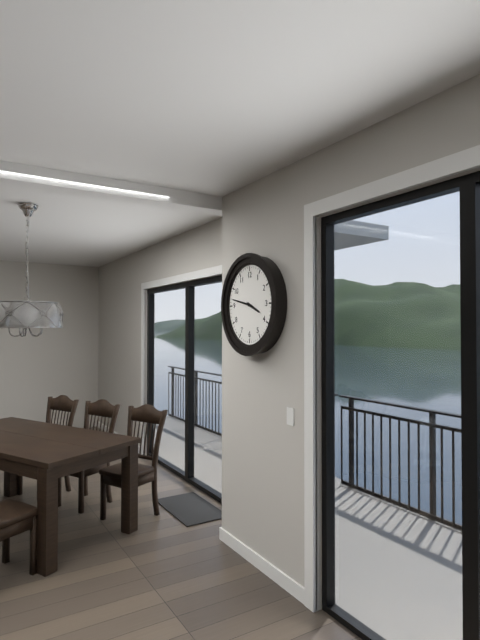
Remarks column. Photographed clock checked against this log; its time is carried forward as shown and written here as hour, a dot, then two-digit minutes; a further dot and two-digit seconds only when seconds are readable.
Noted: 3.47
